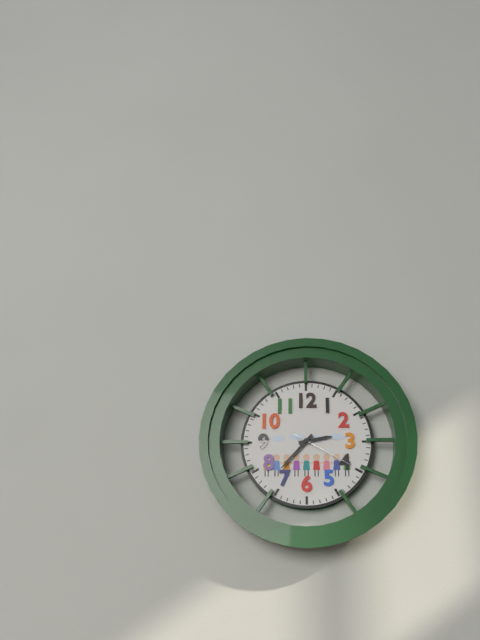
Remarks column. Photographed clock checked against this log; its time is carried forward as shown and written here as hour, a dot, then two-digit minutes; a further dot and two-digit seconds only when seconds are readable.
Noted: 2.37.20
